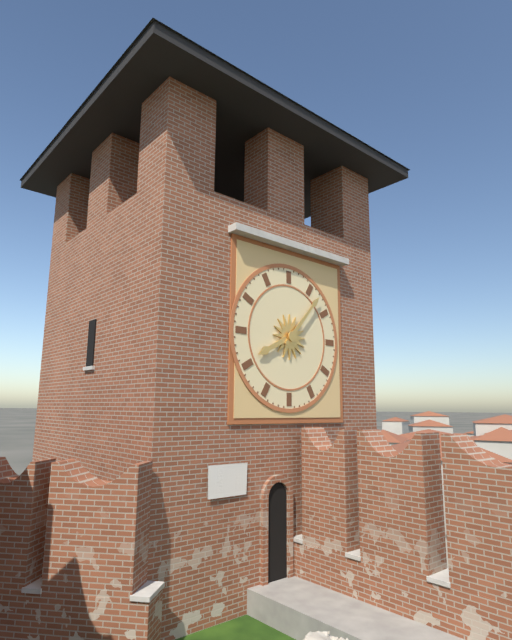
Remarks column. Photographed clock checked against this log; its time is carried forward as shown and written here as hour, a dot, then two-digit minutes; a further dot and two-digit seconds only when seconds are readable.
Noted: 8.07
